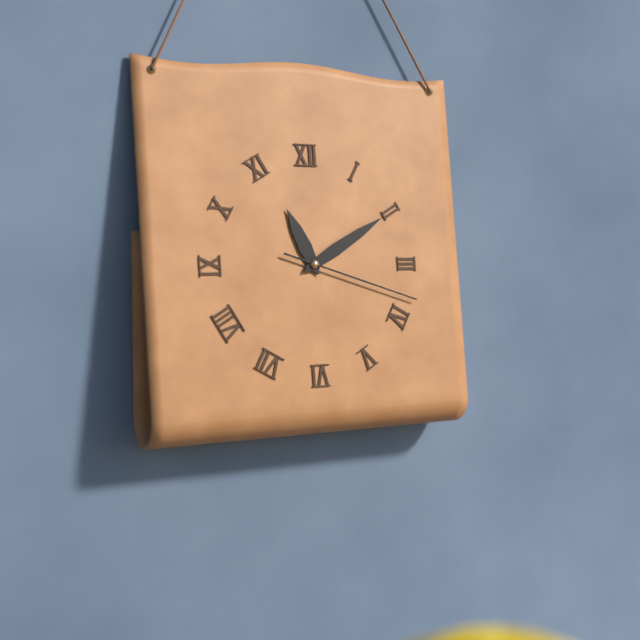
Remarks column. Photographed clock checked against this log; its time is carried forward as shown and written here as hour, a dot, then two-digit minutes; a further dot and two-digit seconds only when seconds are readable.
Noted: 11.10.18
